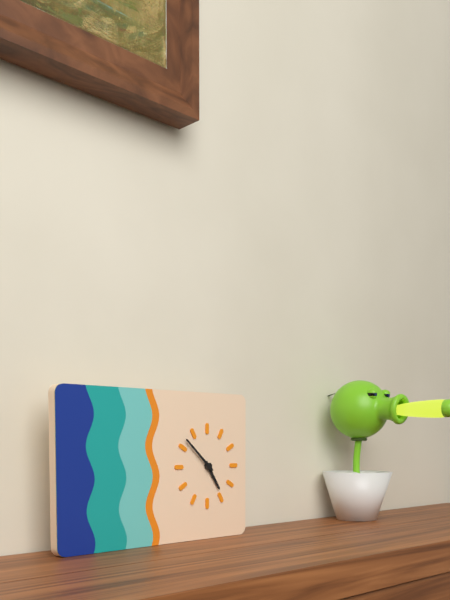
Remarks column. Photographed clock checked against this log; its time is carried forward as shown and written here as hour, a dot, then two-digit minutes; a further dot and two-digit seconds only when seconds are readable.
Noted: 4.52
